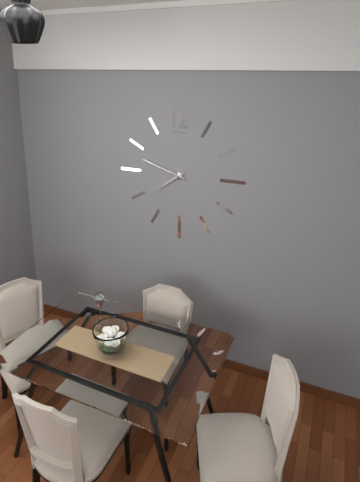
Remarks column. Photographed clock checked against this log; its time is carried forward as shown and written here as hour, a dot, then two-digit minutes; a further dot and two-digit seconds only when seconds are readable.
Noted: 7.48
